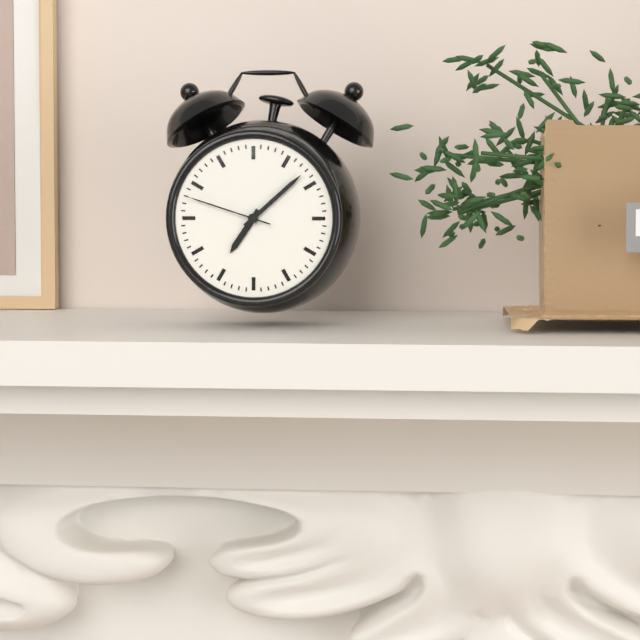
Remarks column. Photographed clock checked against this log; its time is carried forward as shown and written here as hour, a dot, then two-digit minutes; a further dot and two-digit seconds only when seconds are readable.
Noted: 7.08.48
